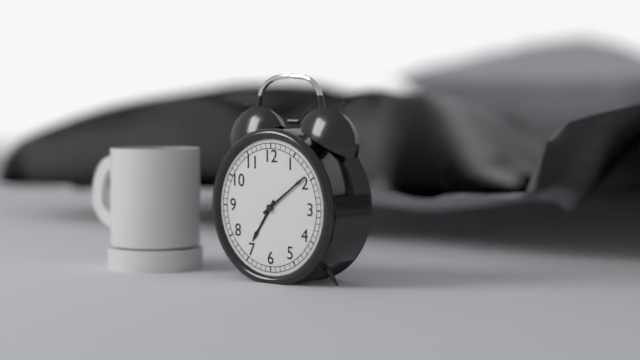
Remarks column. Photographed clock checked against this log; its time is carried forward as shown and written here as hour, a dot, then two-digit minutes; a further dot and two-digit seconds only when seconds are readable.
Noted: 7.09
